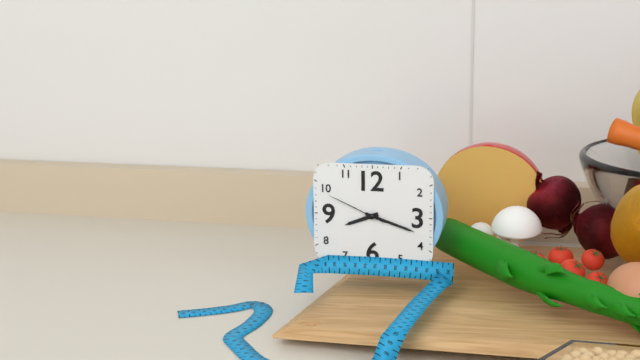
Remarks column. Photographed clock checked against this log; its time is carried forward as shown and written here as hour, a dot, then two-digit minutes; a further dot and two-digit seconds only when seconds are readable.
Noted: 8.18.49
